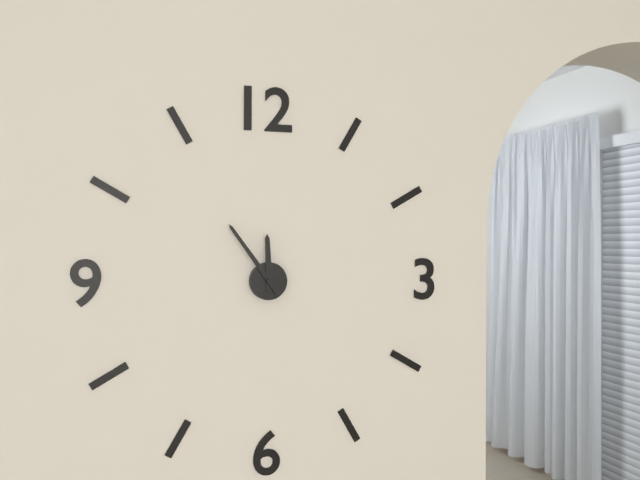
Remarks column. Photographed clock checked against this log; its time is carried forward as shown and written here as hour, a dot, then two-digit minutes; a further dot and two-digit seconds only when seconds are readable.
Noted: 11.54
